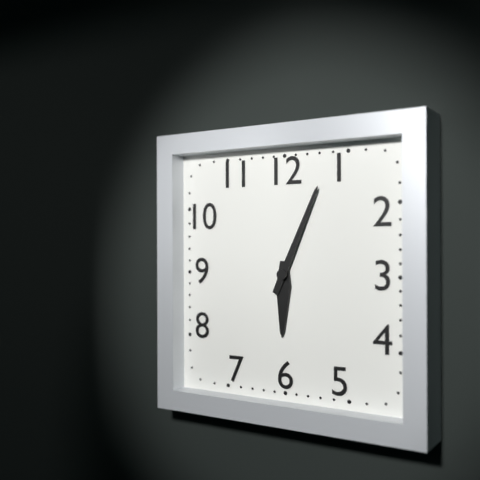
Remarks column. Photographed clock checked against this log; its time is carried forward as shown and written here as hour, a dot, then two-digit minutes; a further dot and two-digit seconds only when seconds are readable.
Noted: 6.04
